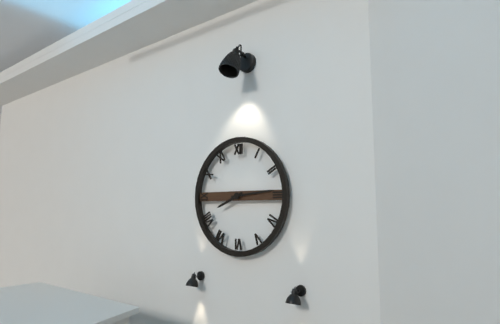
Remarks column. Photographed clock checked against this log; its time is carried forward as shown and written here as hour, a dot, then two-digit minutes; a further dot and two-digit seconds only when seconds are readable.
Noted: 8.14
